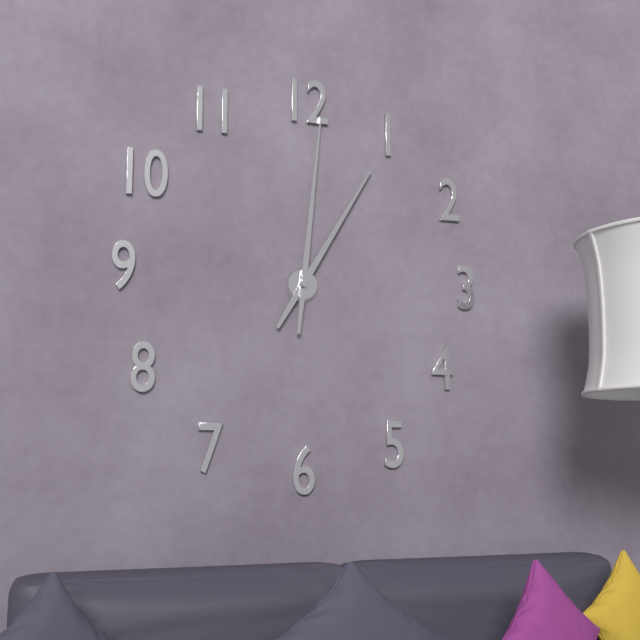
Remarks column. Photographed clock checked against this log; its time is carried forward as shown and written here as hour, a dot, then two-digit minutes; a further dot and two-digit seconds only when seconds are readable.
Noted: 1.01
